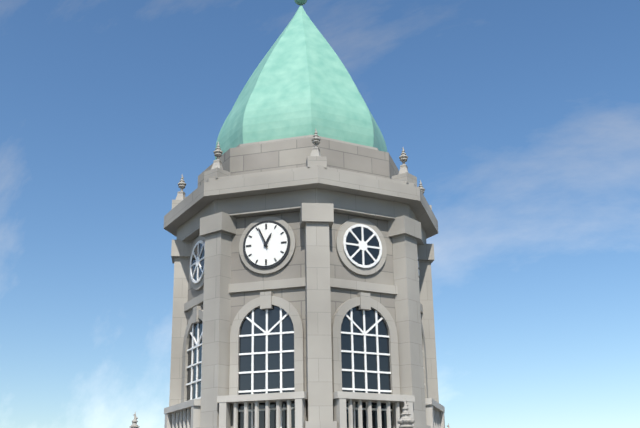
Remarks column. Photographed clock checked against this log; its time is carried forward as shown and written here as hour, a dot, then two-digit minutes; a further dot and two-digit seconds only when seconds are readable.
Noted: 12.56
